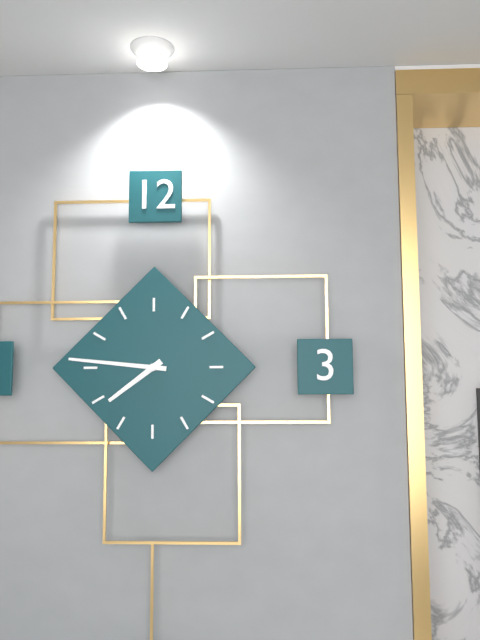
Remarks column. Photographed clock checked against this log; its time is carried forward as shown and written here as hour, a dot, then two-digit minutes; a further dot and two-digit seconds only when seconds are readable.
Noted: 7.46
